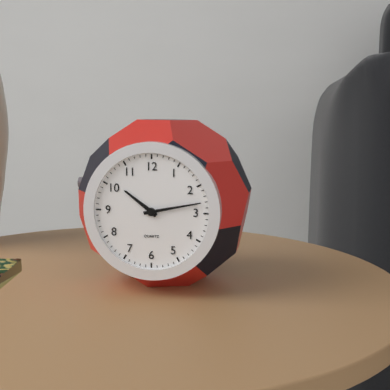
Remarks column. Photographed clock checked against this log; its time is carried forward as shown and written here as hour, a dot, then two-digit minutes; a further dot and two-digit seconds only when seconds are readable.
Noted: 10.13
